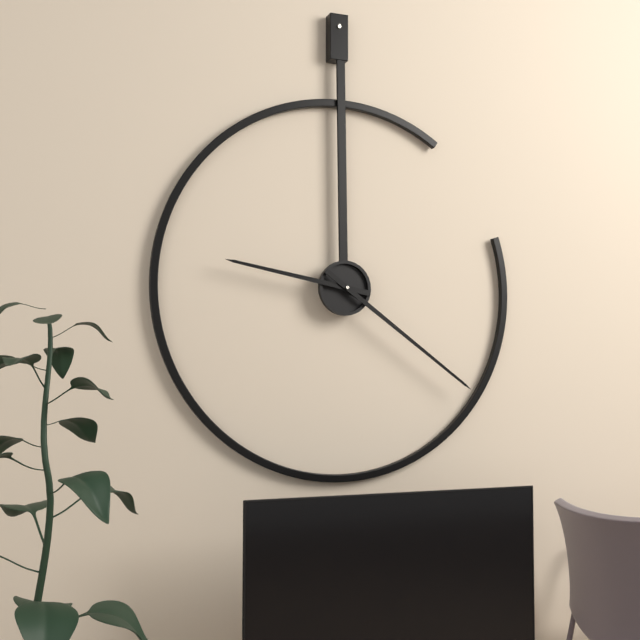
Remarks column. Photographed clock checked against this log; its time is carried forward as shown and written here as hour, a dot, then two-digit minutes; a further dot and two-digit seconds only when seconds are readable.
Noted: 9.21
